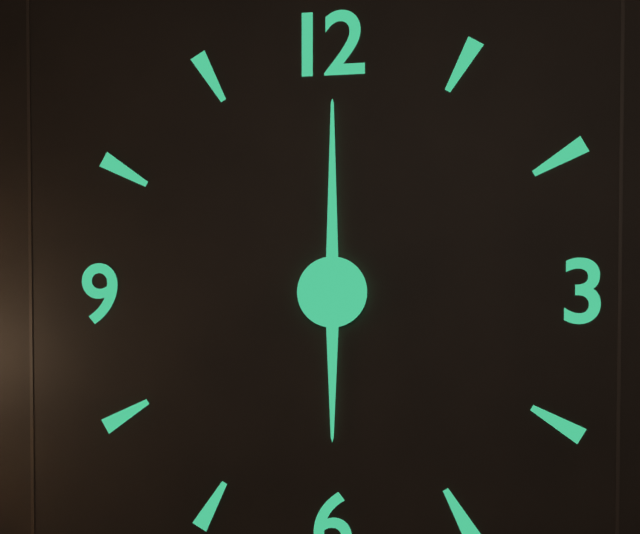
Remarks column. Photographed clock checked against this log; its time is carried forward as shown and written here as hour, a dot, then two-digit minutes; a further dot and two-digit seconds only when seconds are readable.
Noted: 6.00
